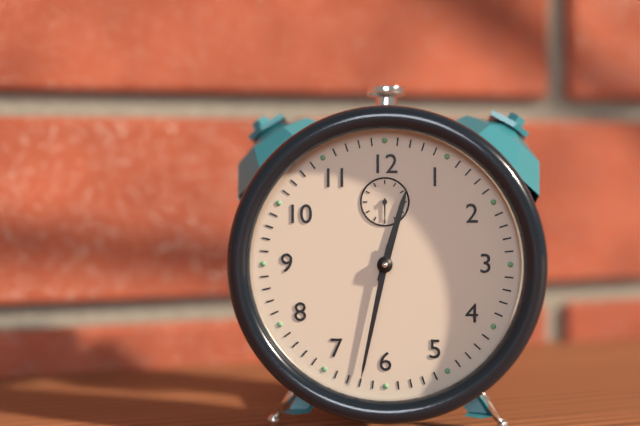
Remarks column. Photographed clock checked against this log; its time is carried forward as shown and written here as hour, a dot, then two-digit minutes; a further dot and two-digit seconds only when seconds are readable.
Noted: 12.32
